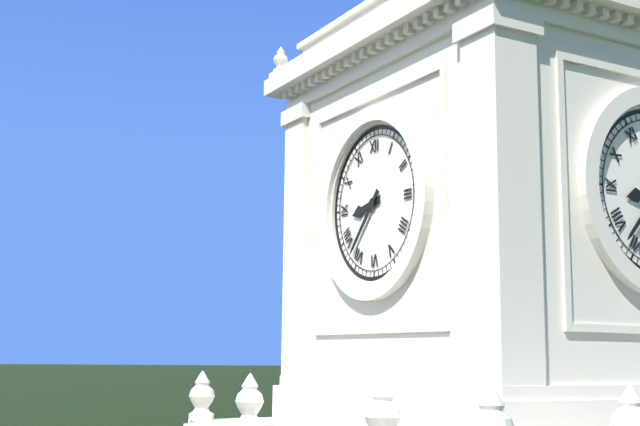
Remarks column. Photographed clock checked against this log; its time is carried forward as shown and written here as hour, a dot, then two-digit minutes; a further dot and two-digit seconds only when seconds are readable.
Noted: 8.37
